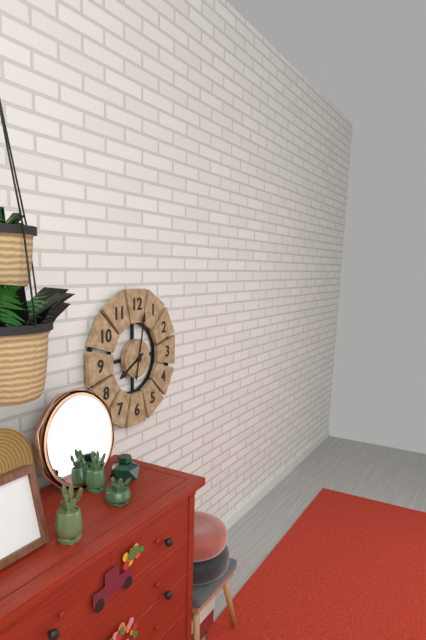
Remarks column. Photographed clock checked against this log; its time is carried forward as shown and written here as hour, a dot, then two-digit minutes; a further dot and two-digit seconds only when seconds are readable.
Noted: 8.02
